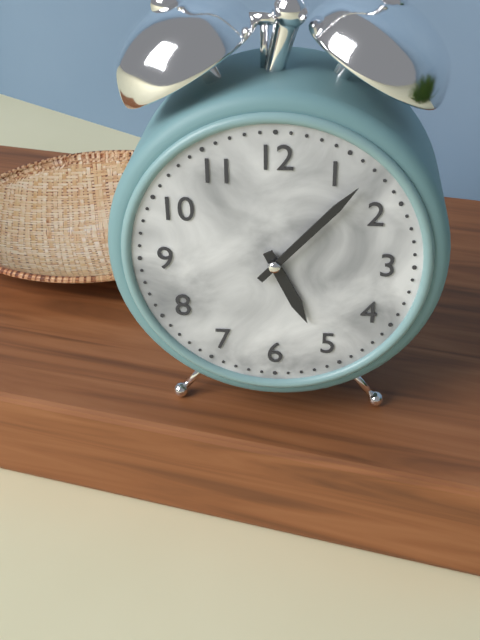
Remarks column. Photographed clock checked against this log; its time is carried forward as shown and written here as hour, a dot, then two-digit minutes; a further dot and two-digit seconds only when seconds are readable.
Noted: 5.07
